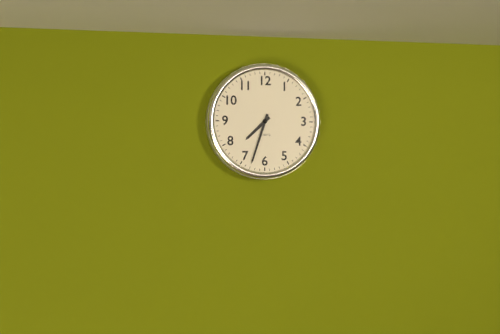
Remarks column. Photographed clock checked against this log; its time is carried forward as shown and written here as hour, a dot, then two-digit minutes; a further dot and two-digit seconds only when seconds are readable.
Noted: 7.33
